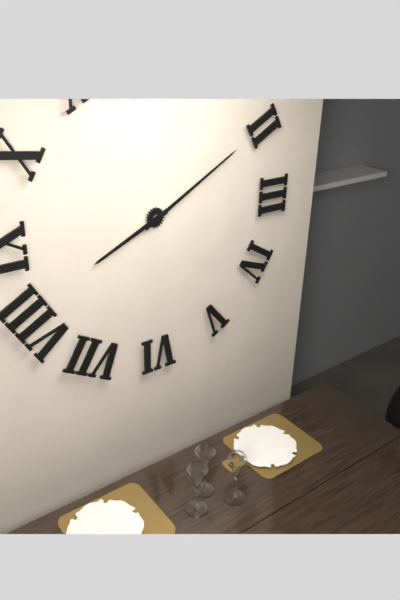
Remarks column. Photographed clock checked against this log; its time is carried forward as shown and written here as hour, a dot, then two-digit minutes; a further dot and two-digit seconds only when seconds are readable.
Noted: 8.10
